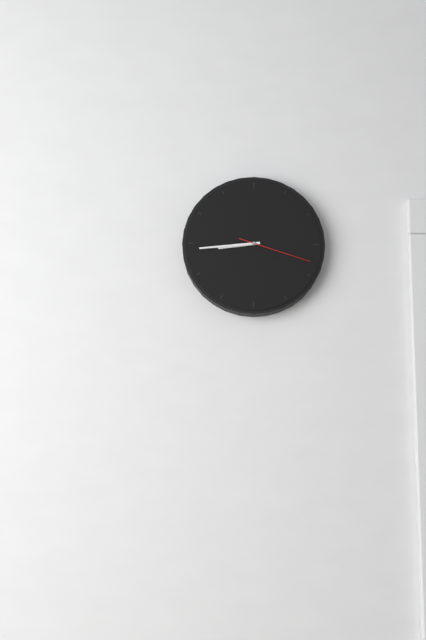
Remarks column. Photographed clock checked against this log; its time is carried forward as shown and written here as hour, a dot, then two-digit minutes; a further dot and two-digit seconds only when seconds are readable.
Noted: 8.44.18
